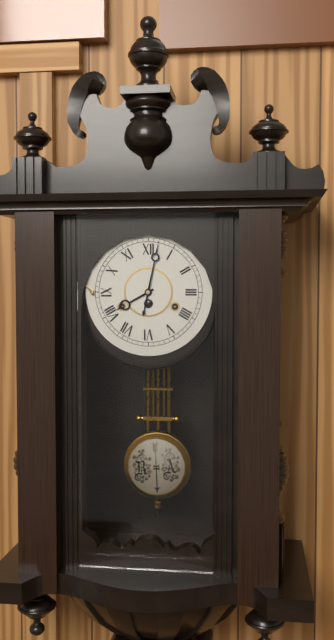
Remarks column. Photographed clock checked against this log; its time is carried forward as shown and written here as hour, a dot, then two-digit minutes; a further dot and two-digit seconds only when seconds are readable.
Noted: 8.02
